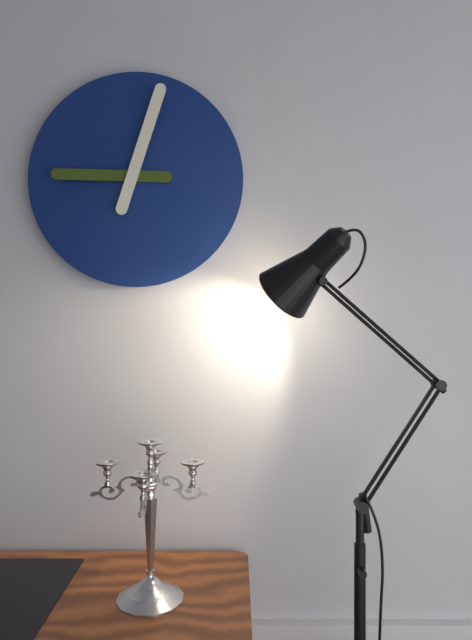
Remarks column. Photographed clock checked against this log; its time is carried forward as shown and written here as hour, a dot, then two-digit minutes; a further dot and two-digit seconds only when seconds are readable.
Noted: 9.03
